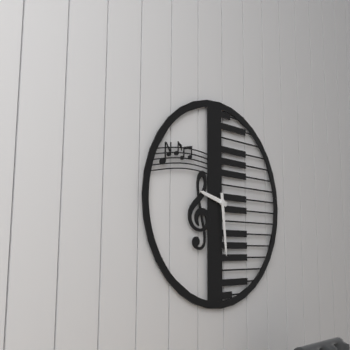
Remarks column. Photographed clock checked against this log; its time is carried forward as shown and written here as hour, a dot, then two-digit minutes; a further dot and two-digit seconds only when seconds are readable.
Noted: 9.29
